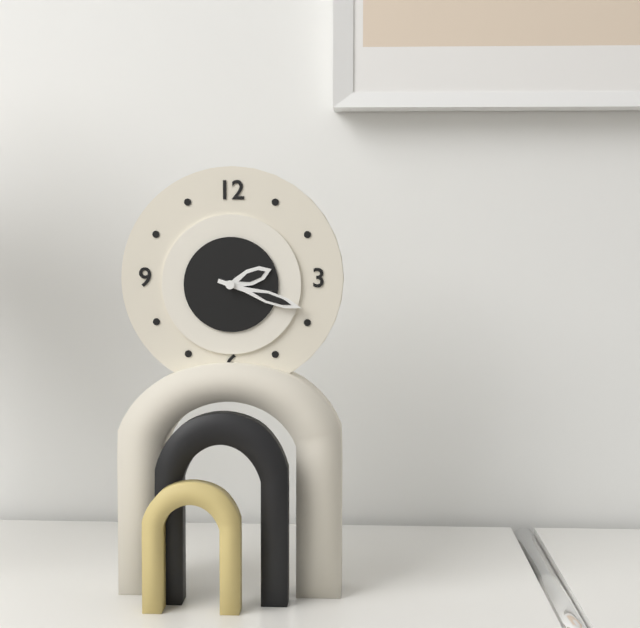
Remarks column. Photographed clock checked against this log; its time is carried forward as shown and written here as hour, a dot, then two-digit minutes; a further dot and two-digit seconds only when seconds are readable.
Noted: 2.18
